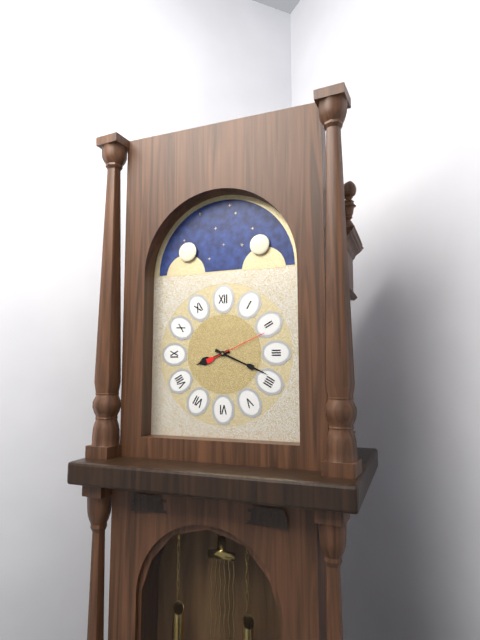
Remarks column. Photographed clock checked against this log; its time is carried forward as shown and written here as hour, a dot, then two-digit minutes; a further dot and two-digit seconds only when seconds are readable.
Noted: 8.19.11
